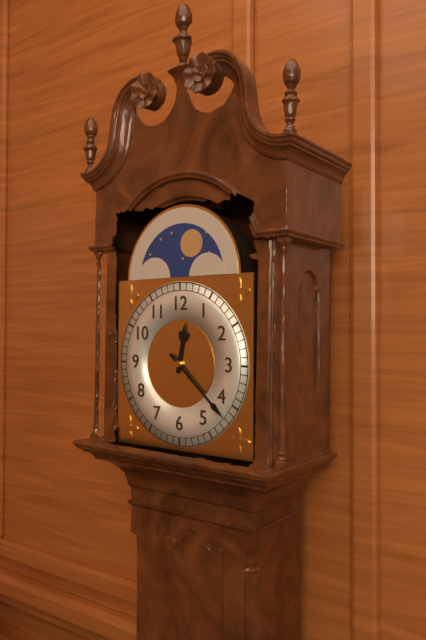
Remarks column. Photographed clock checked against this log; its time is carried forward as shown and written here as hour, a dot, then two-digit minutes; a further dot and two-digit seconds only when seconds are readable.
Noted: 12.22
